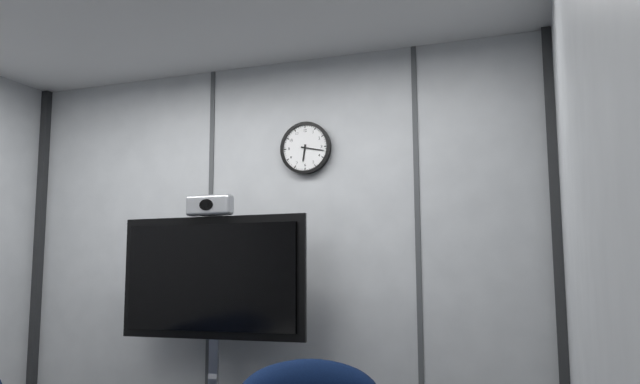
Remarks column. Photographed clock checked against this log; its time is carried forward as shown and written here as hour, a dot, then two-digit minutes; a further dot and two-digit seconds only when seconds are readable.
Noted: 6.17
